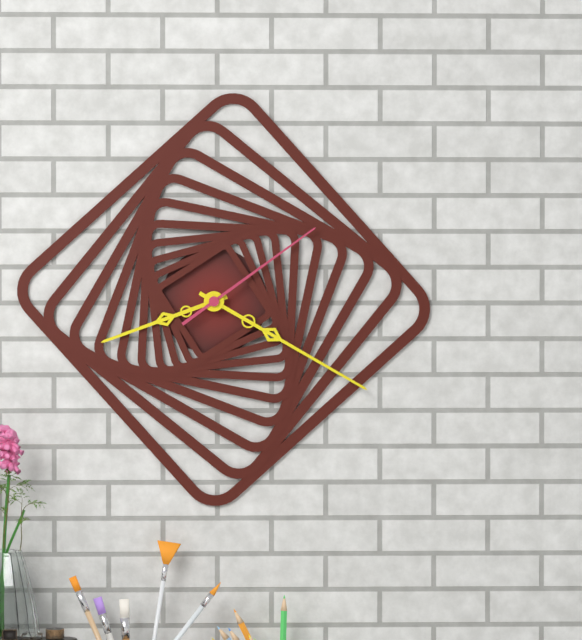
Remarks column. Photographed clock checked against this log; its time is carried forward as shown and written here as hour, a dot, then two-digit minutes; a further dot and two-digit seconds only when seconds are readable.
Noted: 8.20.09
